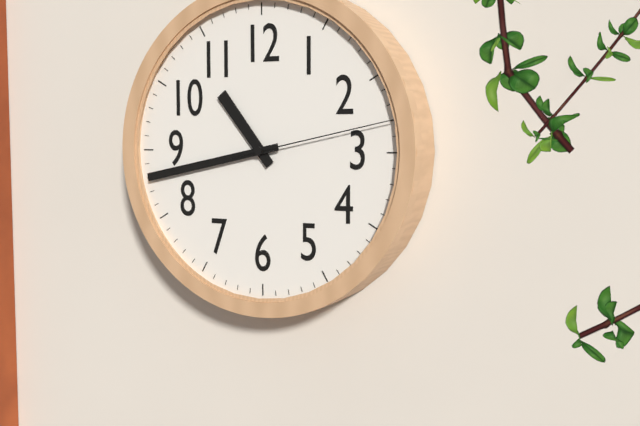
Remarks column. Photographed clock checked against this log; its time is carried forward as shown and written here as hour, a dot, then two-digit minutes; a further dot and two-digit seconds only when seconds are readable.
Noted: 10.43.13
